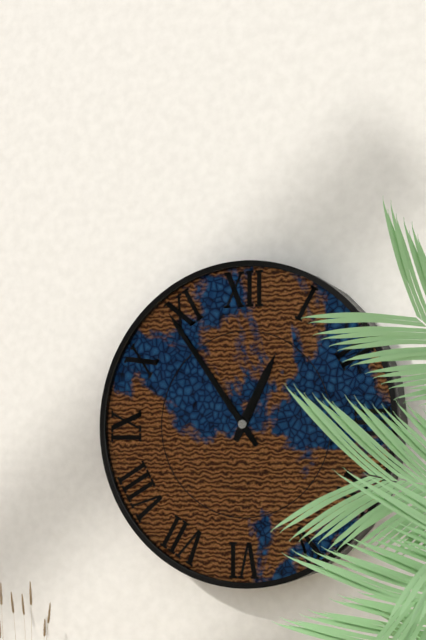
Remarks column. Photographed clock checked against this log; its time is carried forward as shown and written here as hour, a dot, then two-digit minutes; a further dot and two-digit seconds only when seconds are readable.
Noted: 12.54
